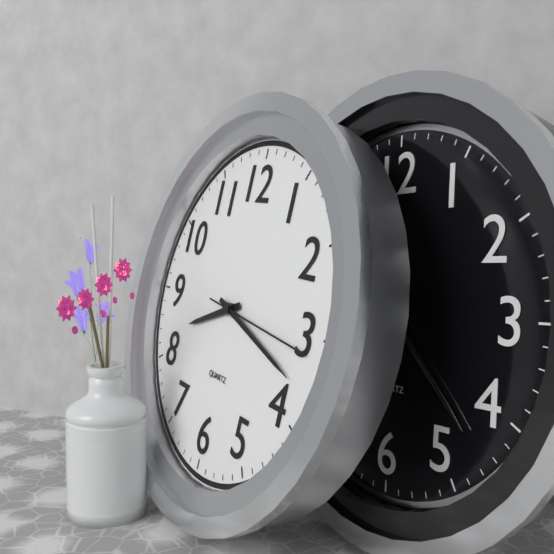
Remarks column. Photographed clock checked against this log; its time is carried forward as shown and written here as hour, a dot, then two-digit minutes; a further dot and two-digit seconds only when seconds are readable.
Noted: 8.18.16
